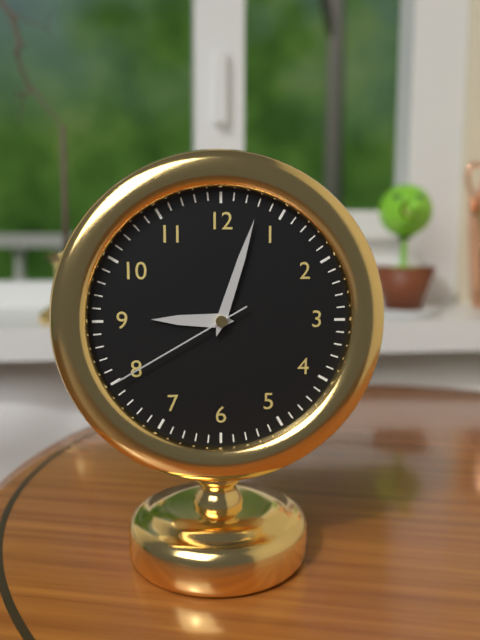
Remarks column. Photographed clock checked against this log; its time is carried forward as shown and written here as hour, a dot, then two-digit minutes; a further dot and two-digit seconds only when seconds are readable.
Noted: 9.03.40
